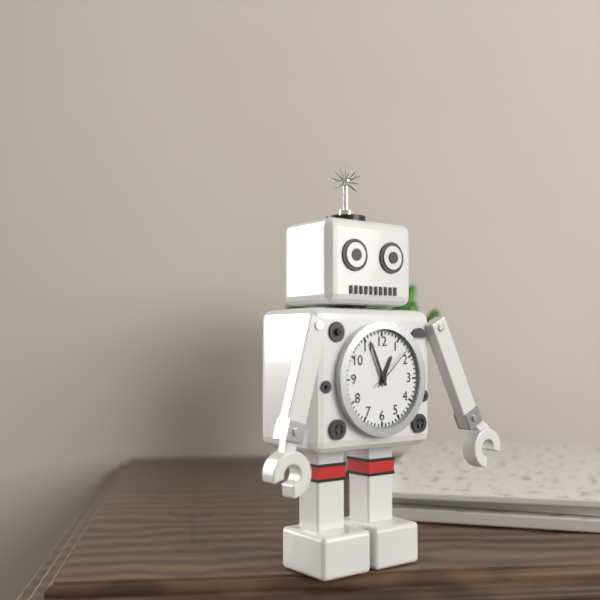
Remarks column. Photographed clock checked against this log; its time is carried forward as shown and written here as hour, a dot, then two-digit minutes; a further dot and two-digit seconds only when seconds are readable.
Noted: 12.56.08
